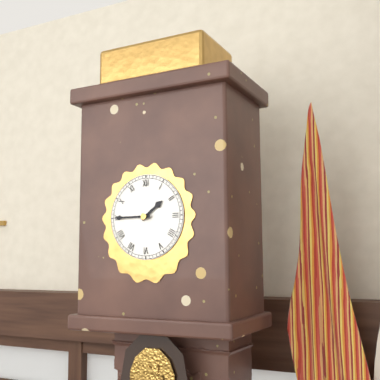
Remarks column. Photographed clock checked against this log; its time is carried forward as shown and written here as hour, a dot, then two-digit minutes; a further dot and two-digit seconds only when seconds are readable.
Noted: 1.45
